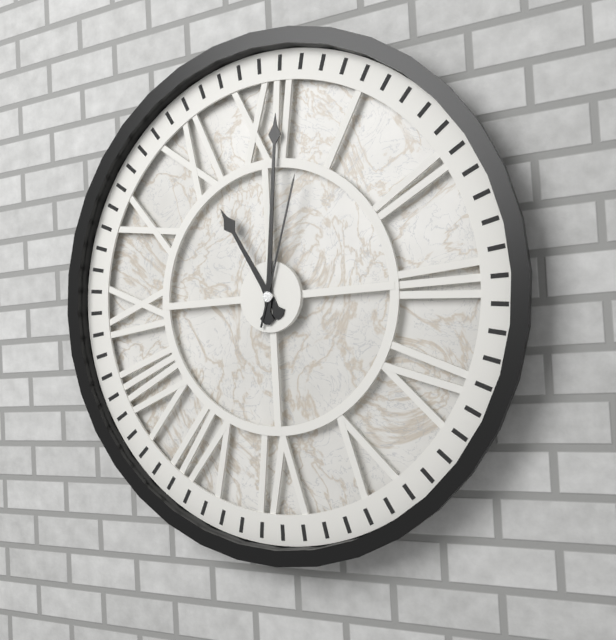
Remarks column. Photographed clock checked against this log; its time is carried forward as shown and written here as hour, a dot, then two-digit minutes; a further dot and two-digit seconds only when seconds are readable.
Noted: 11.01.03
